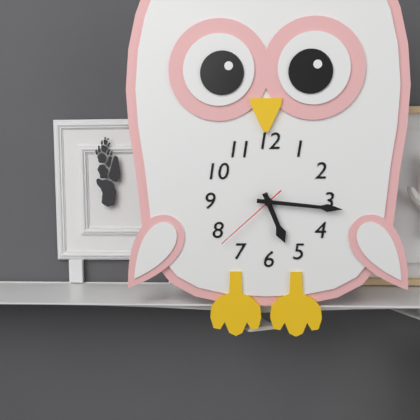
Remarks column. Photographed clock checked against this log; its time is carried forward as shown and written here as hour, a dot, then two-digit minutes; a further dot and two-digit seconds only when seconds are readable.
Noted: 5.16.38
